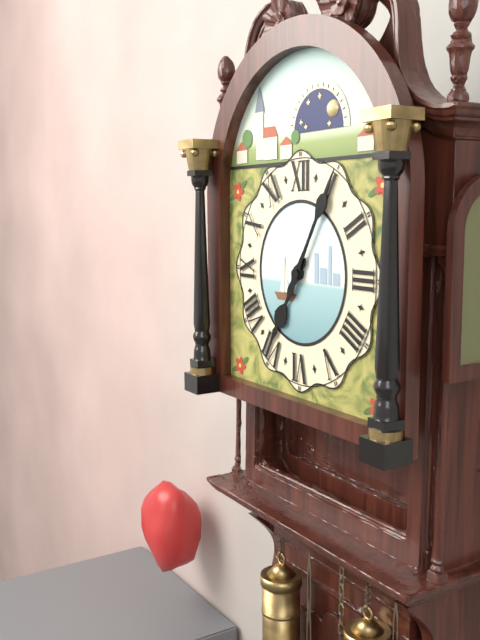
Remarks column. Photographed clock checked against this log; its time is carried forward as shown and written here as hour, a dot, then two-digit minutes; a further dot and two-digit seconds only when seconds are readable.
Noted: 7.05
